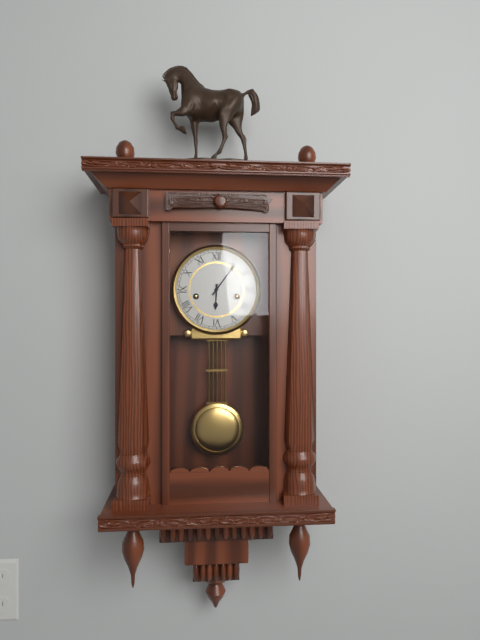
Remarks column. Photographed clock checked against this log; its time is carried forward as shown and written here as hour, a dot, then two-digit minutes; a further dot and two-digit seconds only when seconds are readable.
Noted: 6.06
